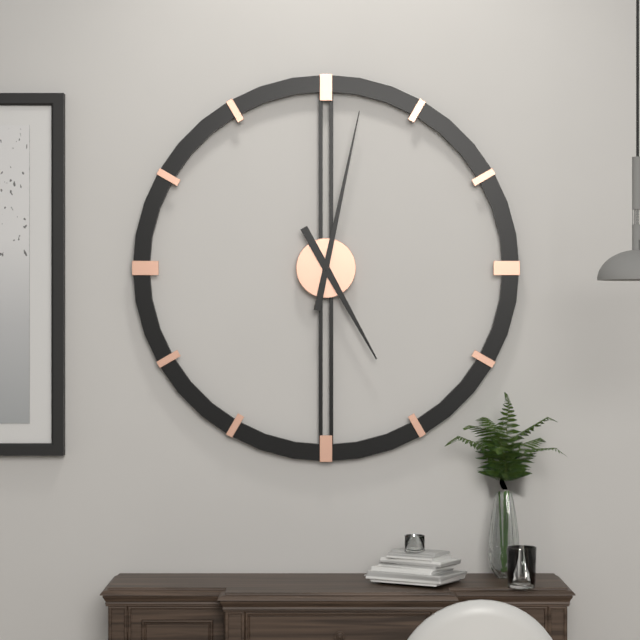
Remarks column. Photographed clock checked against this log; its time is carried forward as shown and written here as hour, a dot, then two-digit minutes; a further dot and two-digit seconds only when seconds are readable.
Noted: 5.02
